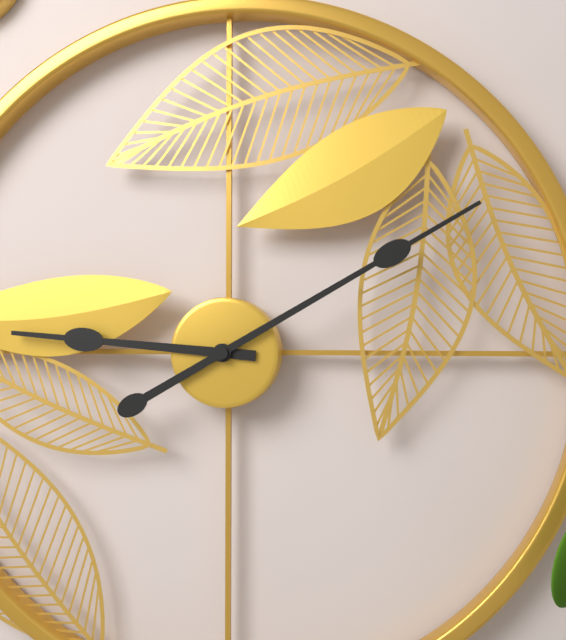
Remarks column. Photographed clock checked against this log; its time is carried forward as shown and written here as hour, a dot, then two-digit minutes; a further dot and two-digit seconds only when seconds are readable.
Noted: 9.10
